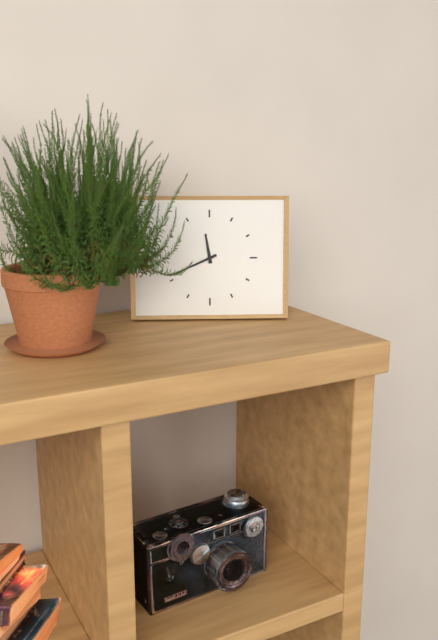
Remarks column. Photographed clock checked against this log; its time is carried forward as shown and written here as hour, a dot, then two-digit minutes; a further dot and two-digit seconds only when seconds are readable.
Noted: 11.41
